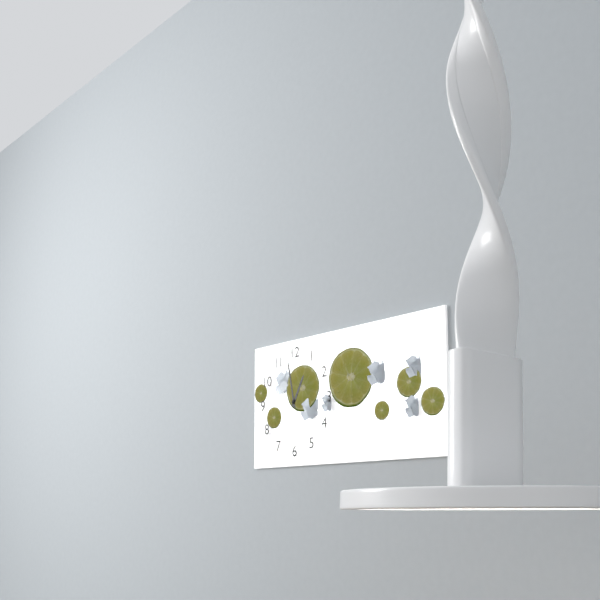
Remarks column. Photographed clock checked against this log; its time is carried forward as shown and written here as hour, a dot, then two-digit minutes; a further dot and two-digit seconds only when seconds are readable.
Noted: 12.58
